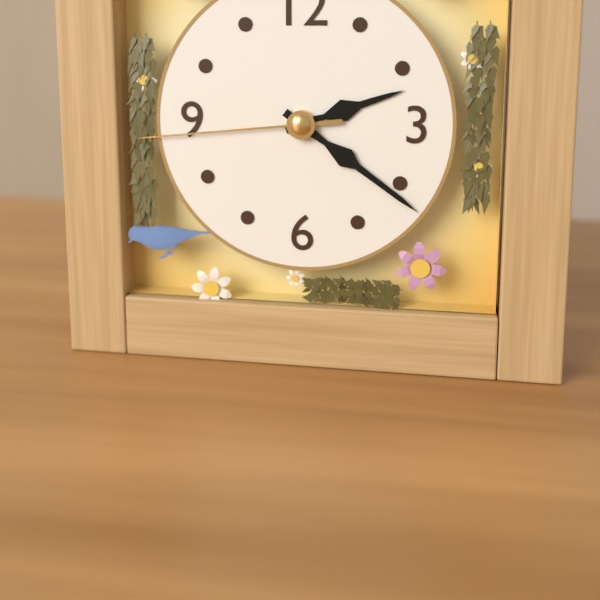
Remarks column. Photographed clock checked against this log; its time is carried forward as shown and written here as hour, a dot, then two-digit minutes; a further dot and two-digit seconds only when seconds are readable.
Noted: 2.21.44
